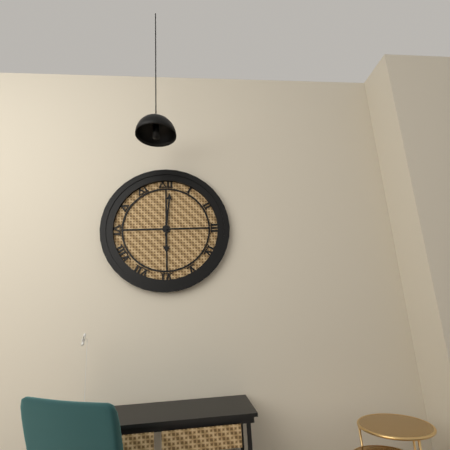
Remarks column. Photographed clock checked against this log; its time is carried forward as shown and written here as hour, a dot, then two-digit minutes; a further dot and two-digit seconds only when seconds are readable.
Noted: 6.01
